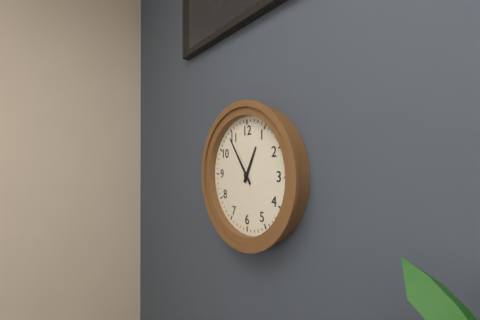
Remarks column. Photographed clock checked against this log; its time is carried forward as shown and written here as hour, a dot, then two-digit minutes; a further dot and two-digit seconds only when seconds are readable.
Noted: 12.54
